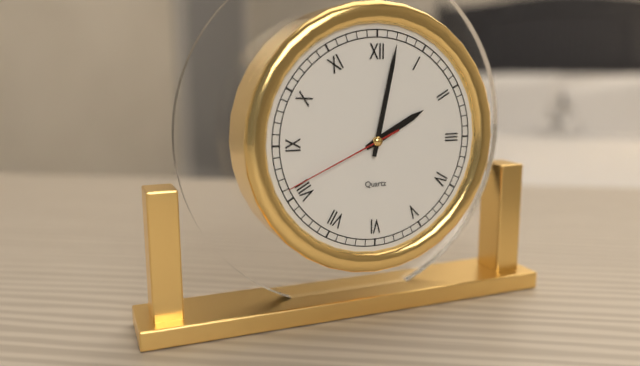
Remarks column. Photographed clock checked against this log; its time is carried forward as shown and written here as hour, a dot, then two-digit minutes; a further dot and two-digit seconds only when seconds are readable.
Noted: 2.02.41
